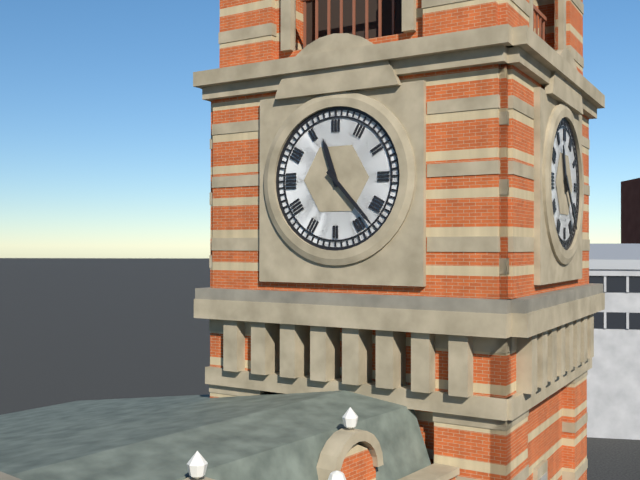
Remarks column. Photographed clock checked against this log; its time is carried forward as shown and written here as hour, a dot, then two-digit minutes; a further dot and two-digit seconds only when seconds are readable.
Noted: 11.23
